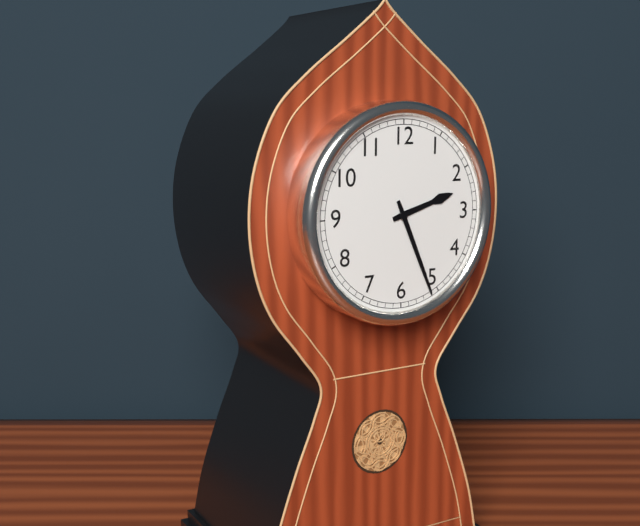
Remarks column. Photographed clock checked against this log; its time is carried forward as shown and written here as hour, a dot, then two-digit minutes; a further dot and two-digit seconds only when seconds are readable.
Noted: 2.26
